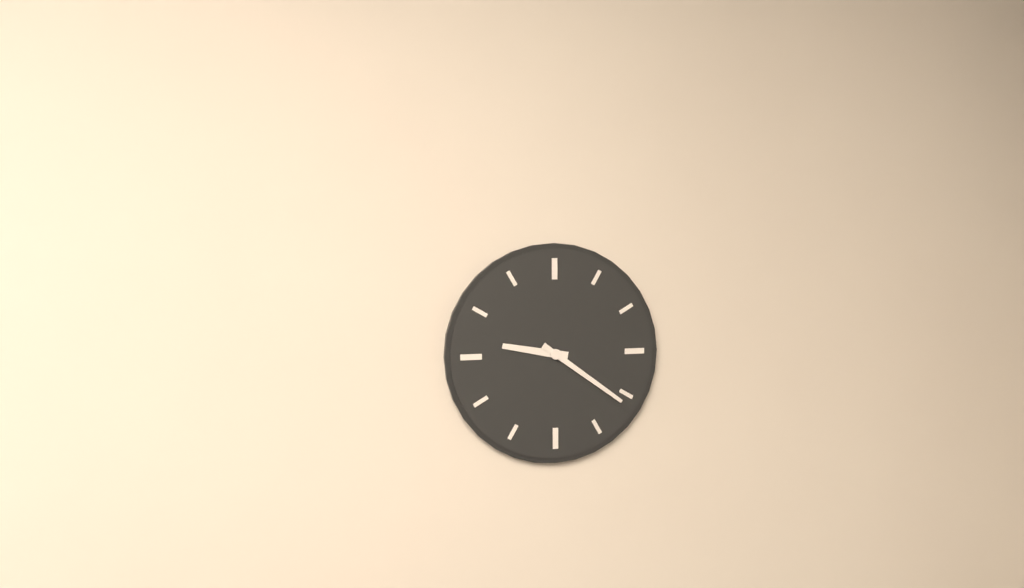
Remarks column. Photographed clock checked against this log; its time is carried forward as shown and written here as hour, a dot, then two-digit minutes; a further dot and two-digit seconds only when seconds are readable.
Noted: 9.21
